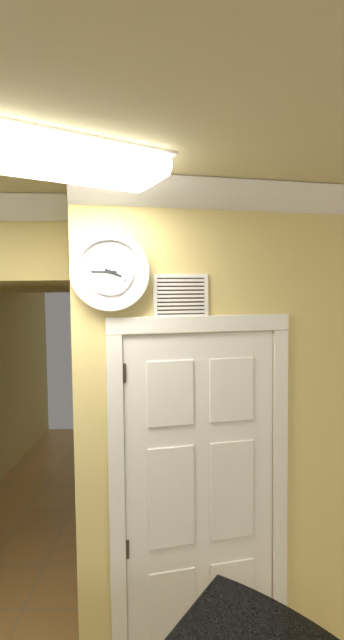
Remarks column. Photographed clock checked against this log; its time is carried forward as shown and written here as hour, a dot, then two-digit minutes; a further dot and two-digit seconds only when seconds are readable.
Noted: 3.45
